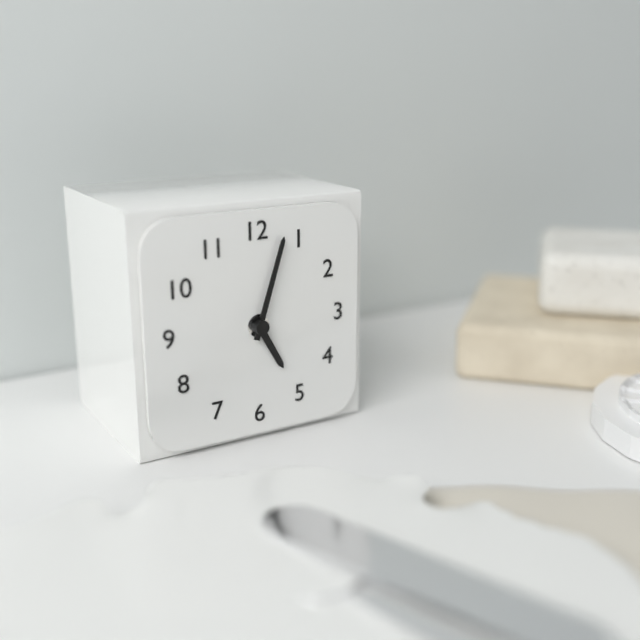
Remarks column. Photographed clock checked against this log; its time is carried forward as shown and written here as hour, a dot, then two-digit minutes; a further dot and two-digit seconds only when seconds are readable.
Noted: 5.03
